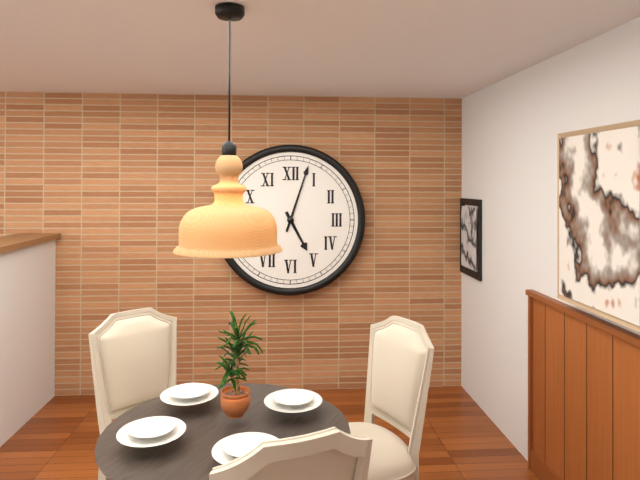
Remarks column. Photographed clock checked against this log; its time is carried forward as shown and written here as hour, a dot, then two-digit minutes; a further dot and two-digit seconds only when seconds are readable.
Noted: 5.03
